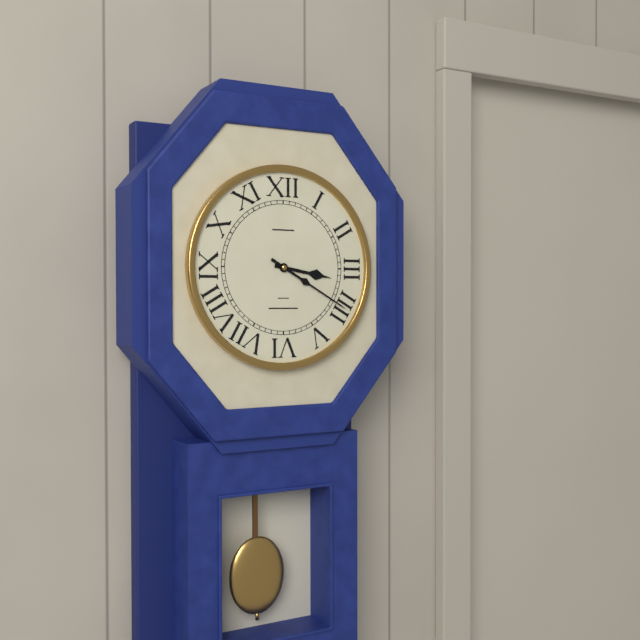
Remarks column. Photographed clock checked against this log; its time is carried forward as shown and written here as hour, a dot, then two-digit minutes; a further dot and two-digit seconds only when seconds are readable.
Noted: 3.20
